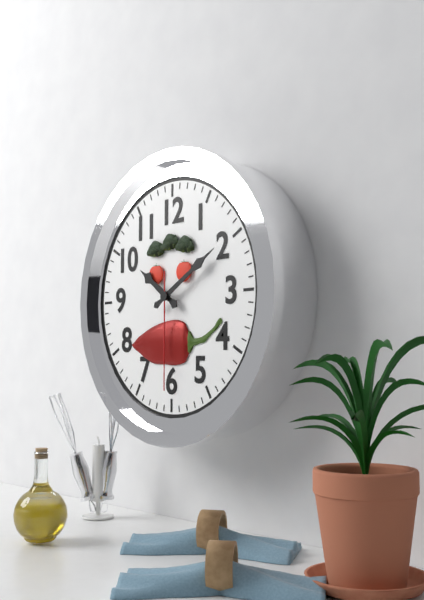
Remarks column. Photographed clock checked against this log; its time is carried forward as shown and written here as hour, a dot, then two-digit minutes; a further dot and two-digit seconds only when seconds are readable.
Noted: 10.10.30
